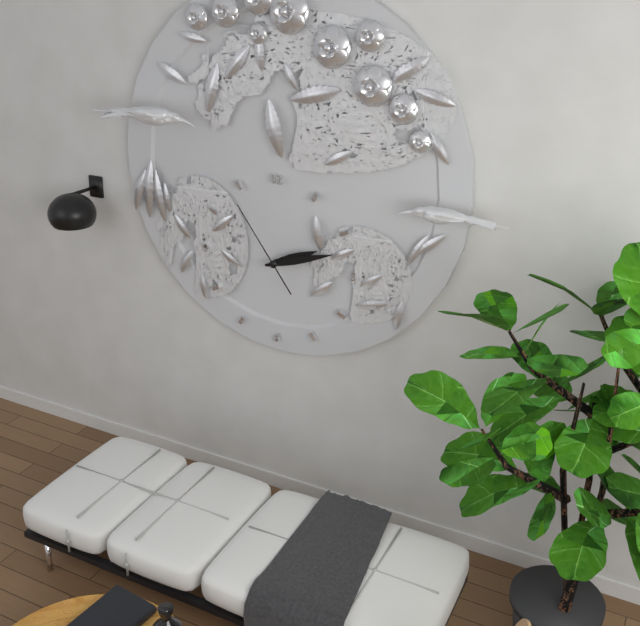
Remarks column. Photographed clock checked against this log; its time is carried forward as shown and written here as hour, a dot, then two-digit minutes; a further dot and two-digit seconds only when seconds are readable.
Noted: 2.12.54
